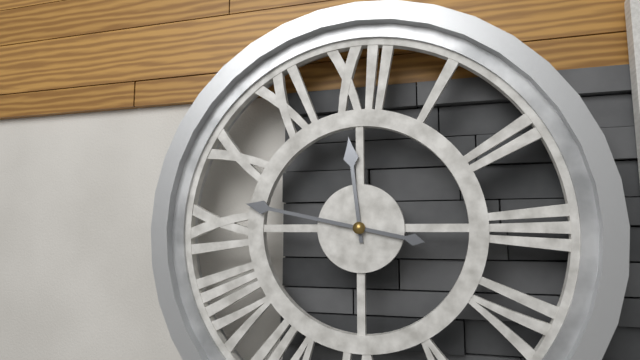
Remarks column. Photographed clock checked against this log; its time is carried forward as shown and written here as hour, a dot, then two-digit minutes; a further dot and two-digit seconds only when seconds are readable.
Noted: 11.47
